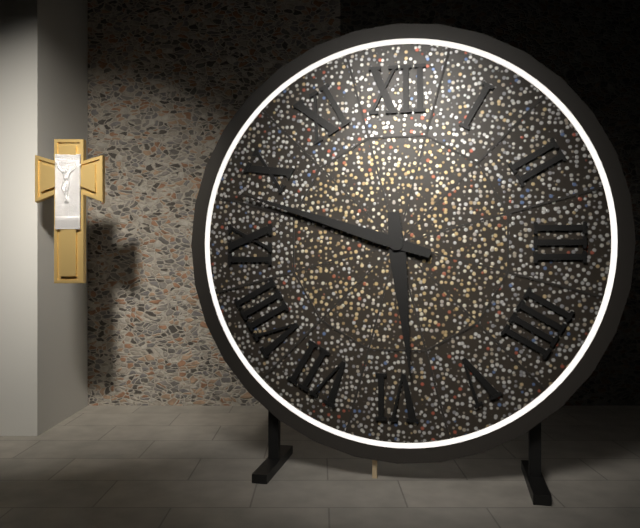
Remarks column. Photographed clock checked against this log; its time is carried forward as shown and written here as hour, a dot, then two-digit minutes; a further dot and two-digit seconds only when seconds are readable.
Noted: 5.48
